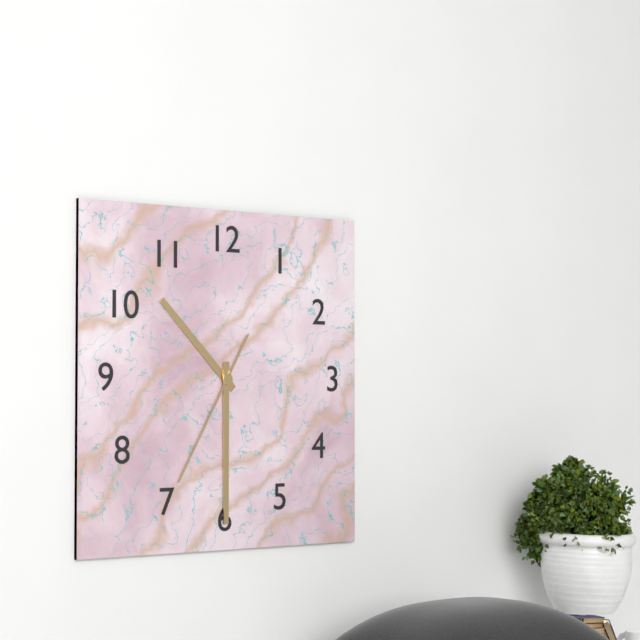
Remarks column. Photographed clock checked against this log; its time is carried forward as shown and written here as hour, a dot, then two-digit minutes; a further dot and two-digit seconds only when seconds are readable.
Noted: 10.30.35
